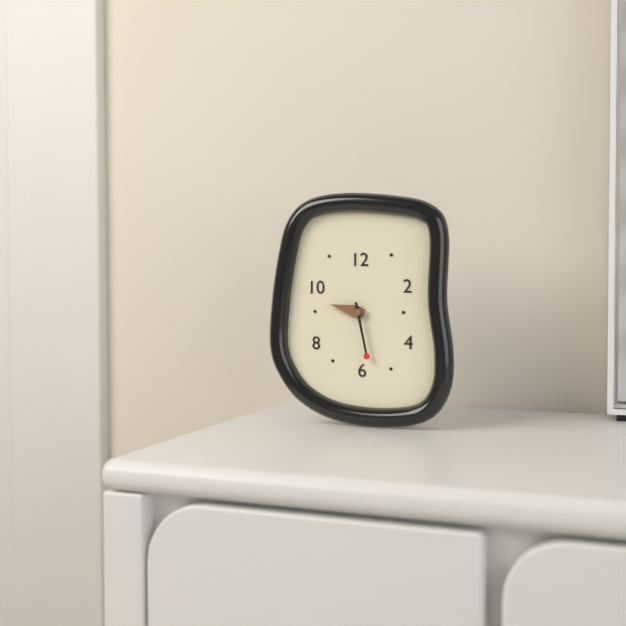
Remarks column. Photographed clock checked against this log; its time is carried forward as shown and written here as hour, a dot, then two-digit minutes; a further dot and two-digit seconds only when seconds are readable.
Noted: 9.28
